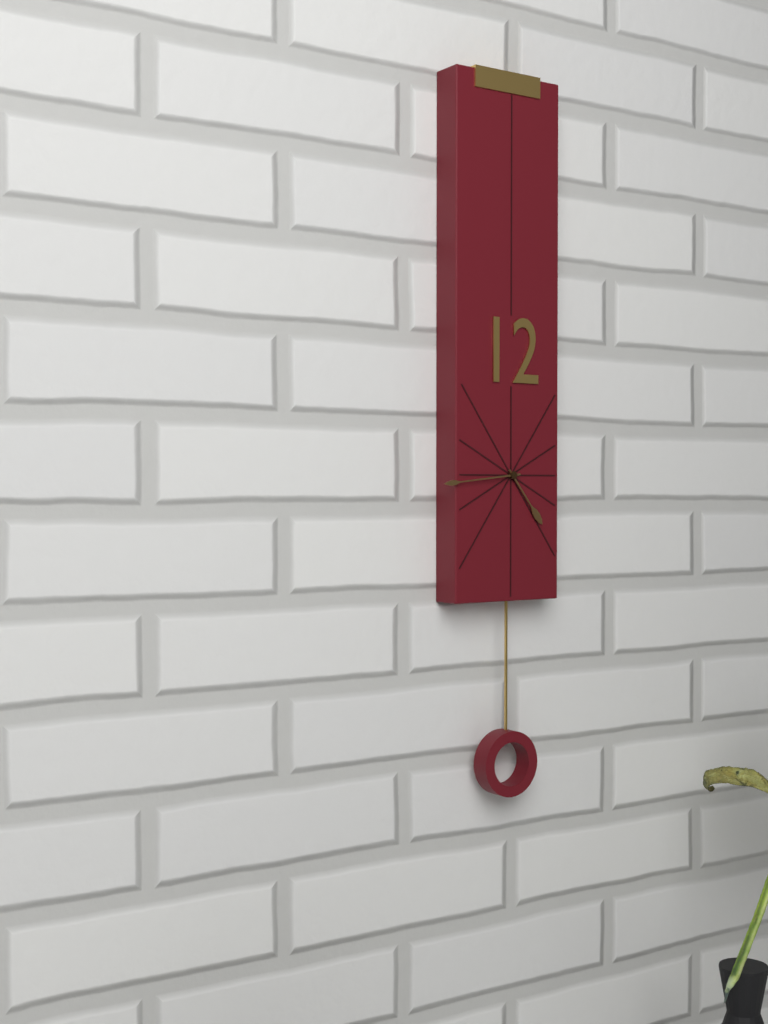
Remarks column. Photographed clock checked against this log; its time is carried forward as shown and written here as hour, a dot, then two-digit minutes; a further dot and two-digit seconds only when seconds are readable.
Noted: 4.44
